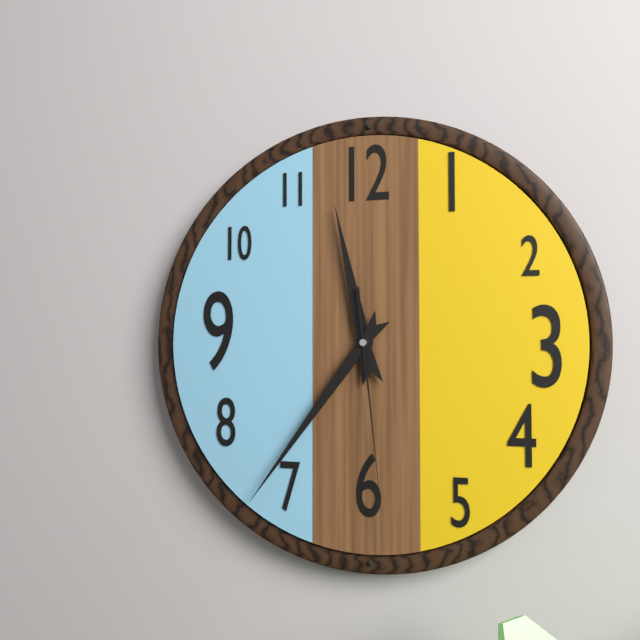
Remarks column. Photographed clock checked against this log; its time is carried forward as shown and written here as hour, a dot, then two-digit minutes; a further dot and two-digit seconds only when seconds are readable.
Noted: 11.36.29
